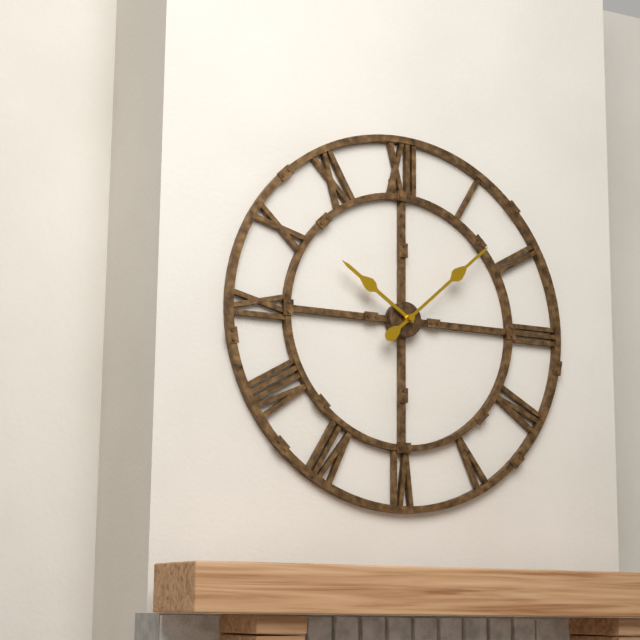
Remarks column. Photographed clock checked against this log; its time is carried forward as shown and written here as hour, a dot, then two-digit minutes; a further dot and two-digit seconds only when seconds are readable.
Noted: 10.08
